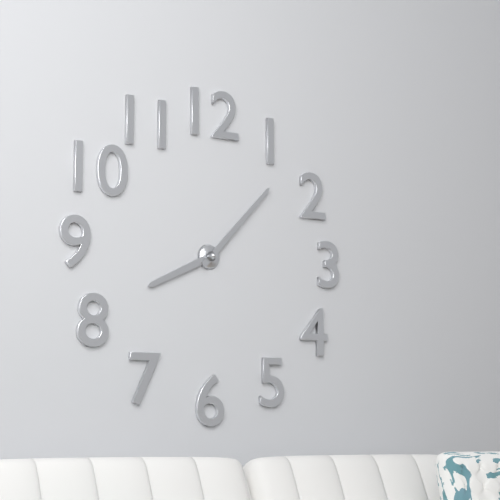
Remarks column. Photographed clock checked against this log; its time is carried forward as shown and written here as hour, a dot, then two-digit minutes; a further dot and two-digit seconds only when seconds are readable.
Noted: 8.07
